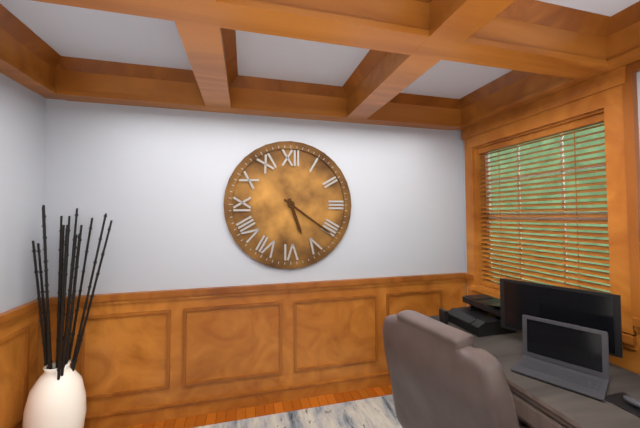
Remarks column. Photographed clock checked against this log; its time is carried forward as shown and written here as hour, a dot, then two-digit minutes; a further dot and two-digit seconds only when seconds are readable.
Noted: 5.21
